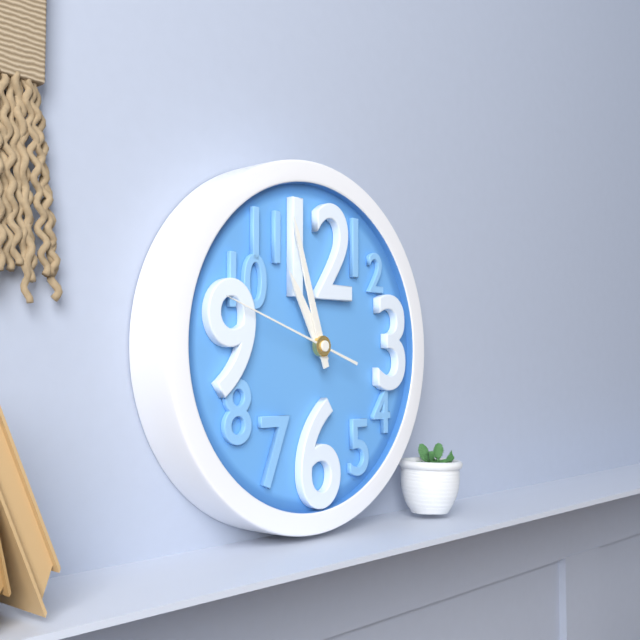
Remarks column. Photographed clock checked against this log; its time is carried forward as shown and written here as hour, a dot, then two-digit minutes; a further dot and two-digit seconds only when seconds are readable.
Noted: 10.57.48
